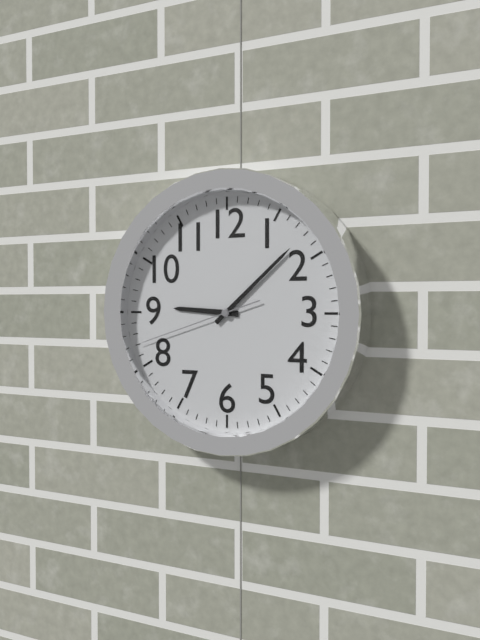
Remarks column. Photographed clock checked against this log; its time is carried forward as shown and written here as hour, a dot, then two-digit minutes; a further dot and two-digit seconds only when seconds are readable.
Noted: 9.08.42
